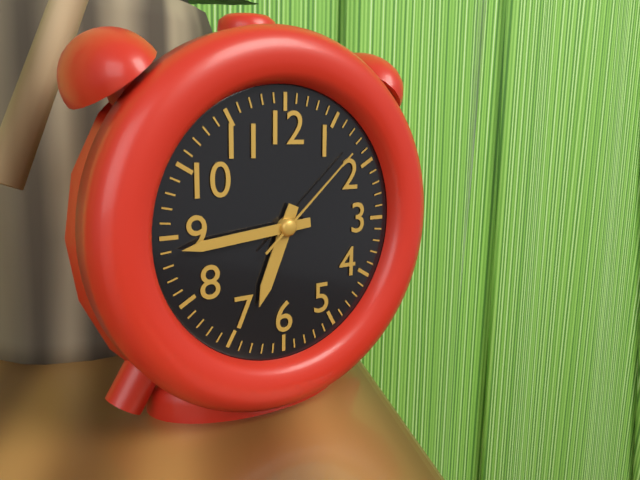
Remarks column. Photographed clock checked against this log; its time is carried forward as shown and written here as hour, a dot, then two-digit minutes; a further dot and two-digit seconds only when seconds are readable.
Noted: 6.44.08
